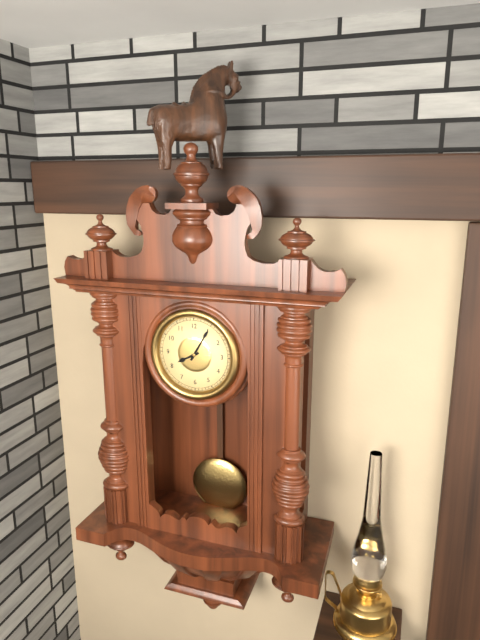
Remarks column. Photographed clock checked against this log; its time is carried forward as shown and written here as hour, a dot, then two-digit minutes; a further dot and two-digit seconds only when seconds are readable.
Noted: 8.05
